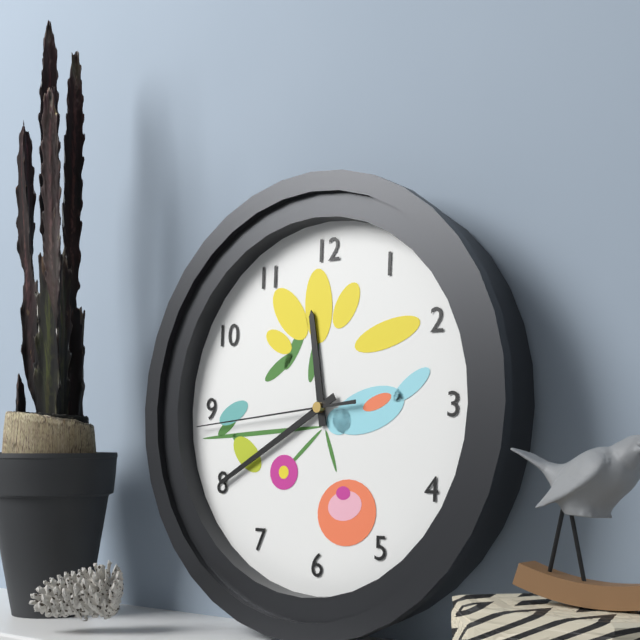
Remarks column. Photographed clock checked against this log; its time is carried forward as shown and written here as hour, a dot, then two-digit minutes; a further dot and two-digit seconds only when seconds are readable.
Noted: 11.40.44
